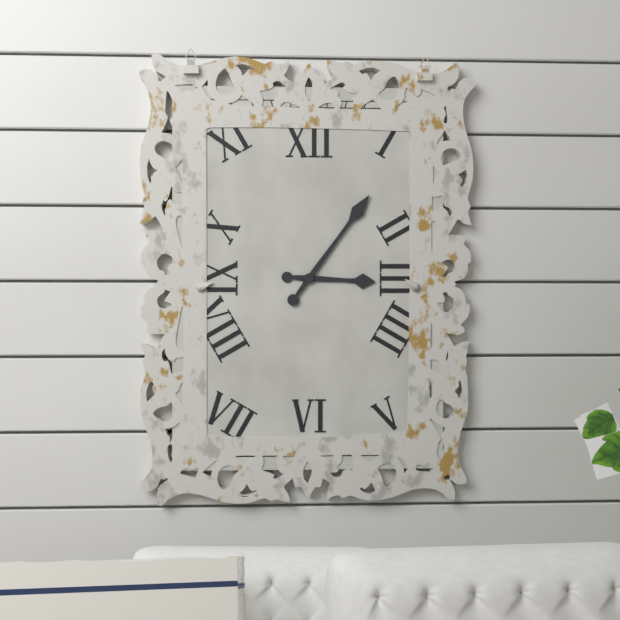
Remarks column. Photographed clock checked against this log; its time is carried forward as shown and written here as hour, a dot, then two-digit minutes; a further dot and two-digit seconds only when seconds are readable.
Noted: 3.06
